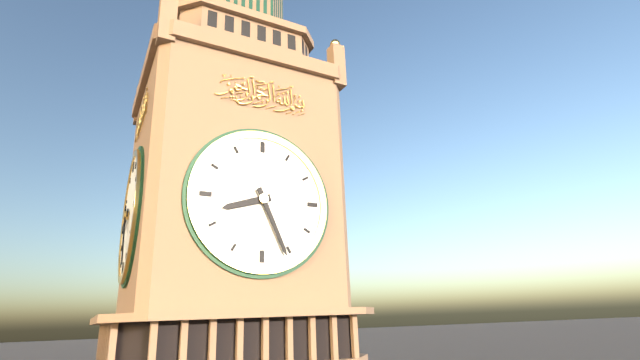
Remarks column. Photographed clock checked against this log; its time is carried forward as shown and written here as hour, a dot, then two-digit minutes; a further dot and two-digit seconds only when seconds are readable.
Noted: 8.26
